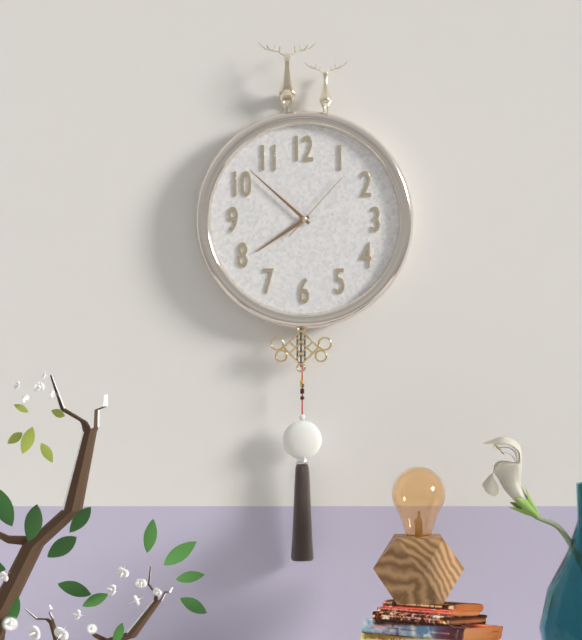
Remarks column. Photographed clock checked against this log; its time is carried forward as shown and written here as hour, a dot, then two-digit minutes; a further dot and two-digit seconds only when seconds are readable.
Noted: 7.52.07
